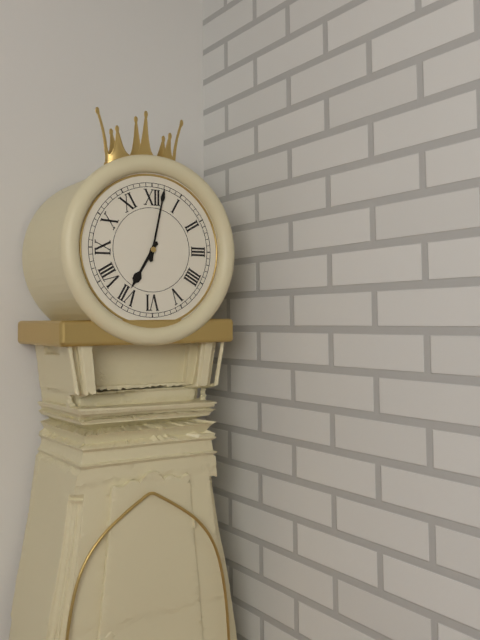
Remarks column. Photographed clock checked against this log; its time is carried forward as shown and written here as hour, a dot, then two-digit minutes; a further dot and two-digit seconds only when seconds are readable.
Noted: 7.02
